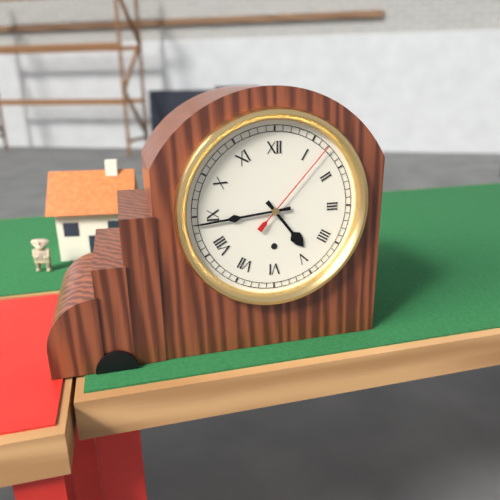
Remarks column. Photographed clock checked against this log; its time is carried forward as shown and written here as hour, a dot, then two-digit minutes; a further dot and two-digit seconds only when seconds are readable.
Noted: 4.44.07
